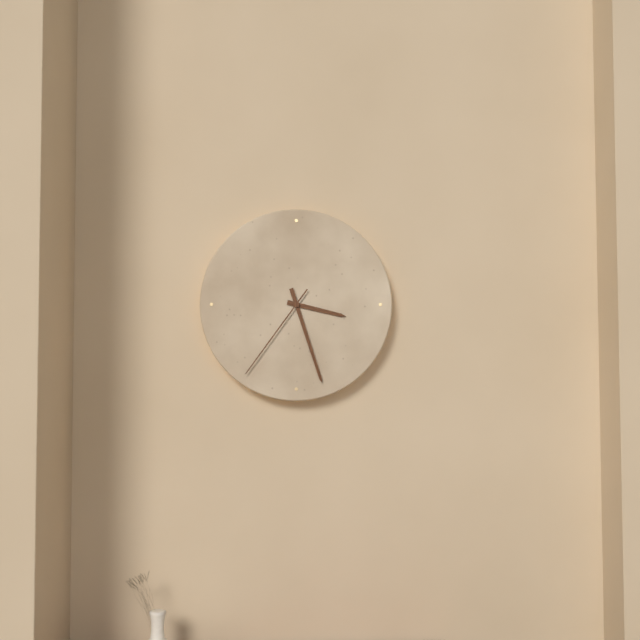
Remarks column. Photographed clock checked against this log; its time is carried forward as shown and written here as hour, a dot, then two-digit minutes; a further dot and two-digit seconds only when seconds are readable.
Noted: 3.27.36
